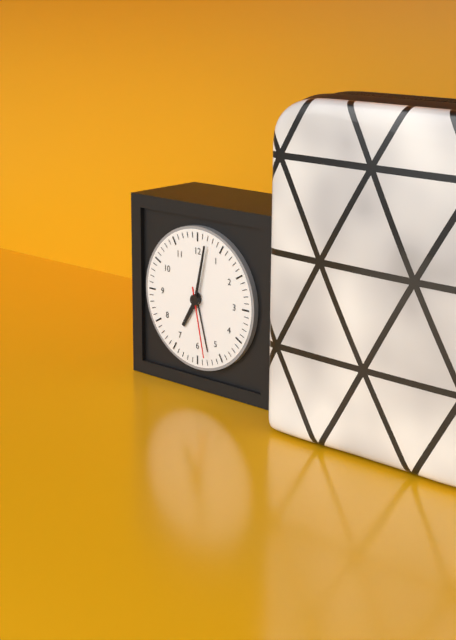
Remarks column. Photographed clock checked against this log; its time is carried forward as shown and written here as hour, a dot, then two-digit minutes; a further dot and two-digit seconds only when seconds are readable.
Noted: 7.02.28
